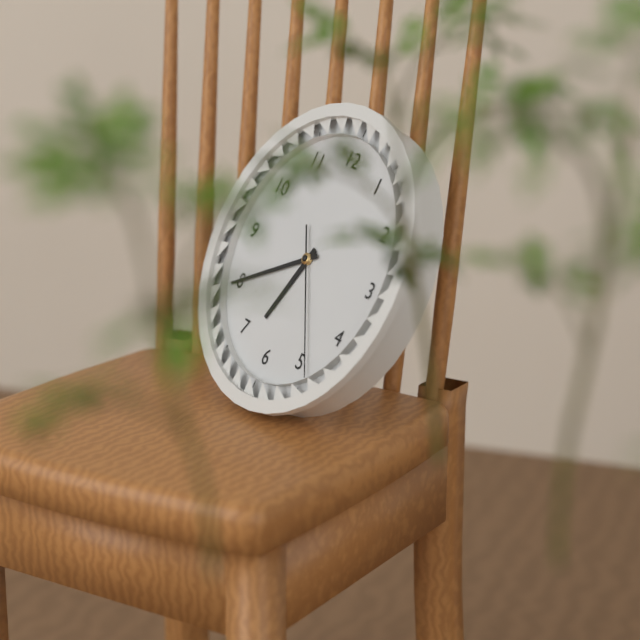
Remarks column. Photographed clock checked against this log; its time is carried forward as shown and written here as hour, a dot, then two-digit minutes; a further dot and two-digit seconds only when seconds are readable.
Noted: 6.40.24
